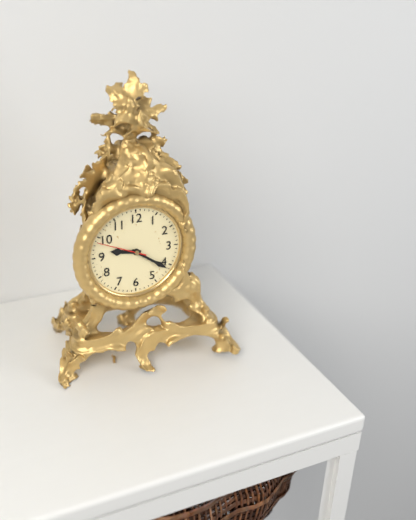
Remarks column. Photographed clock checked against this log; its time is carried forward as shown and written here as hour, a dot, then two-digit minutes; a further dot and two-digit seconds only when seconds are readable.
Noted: 9.21.49
